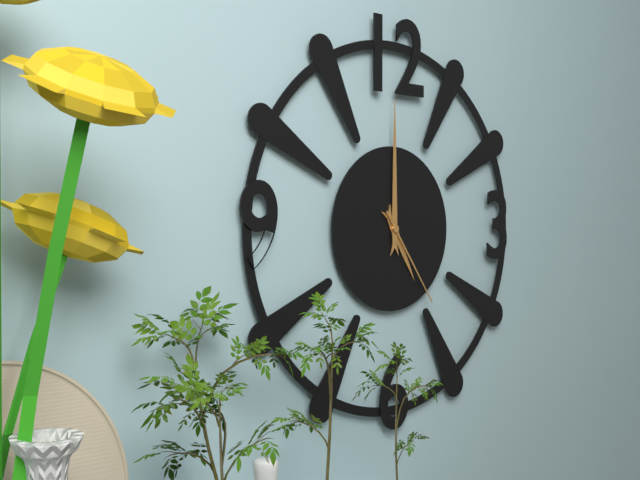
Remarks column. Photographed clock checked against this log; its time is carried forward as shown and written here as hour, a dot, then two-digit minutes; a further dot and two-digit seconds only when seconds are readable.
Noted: 5.00.24
